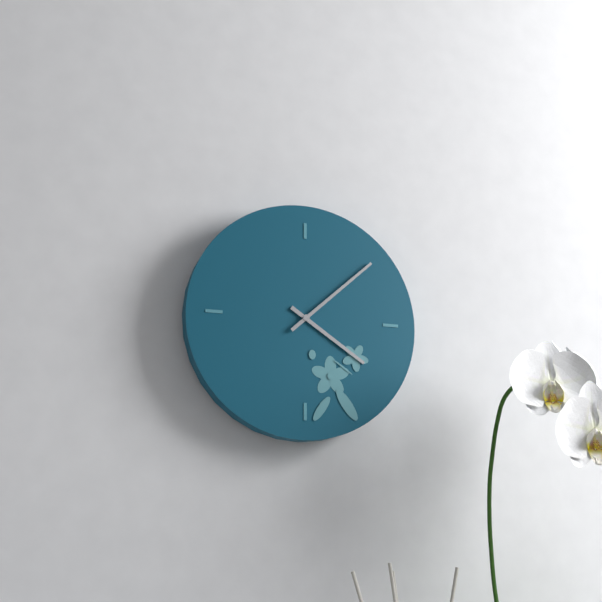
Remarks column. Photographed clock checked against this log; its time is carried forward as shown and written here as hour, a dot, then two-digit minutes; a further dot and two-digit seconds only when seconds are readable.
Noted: 4.08
